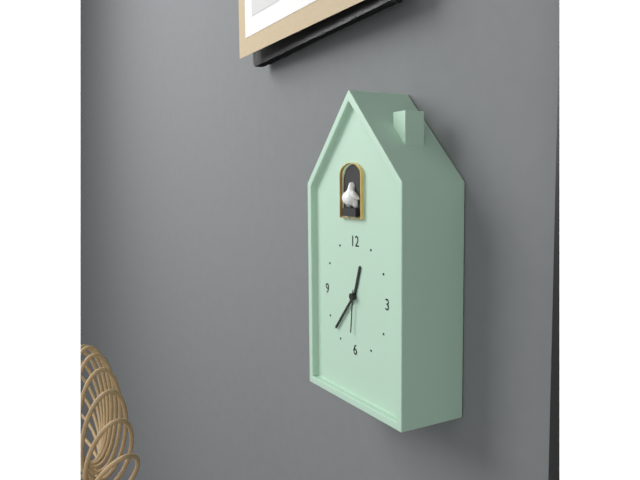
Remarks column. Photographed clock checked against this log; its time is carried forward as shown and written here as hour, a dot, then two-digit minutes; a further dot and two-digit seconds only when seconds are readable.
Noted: 12.37
